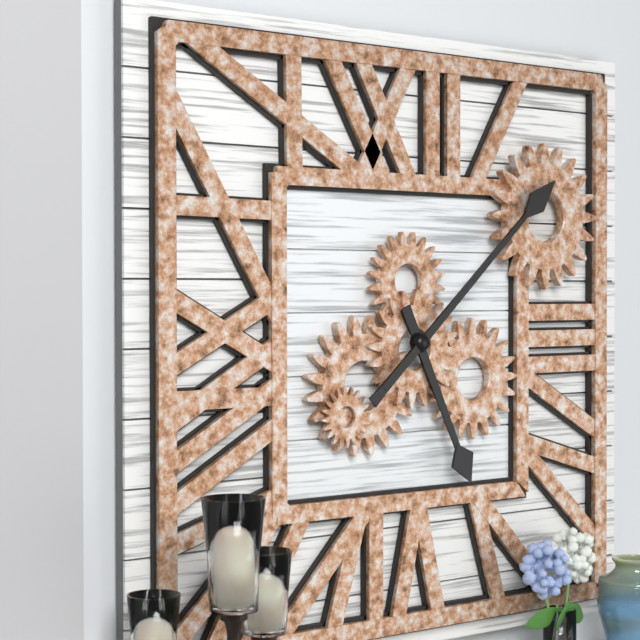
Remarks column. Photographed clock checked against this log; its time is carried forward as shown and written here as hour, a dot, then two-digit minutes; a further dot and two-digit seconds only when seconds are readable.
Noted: 5.08
